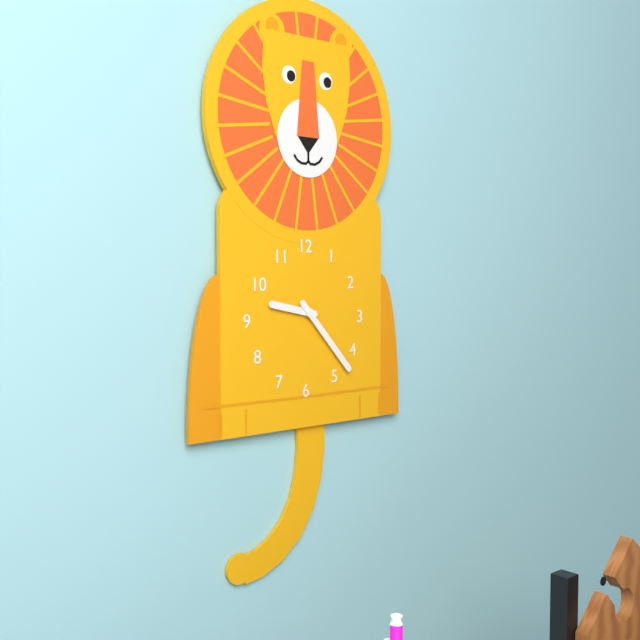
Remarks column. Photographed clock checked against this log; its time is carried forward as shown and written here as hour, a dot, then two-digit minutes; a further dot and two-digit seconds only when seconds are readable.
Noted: 9.23
